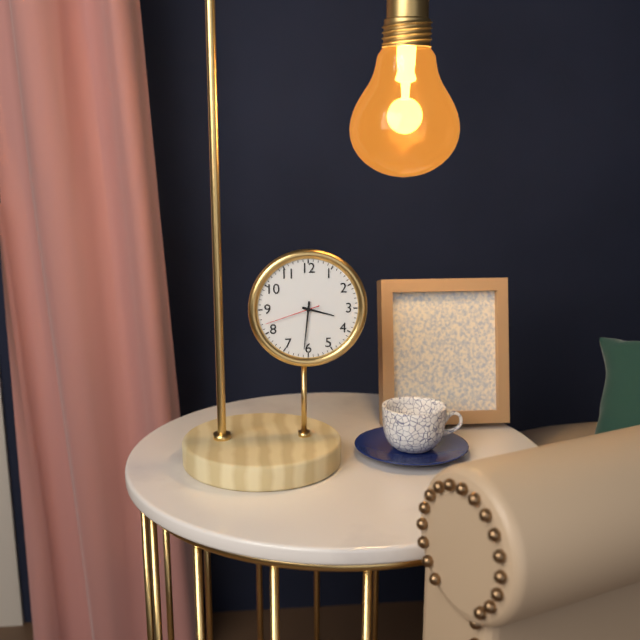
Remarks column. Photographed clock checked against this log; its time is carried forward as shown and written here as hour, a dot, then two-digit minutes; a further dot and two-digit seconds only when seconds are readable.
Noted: 3.31.42
